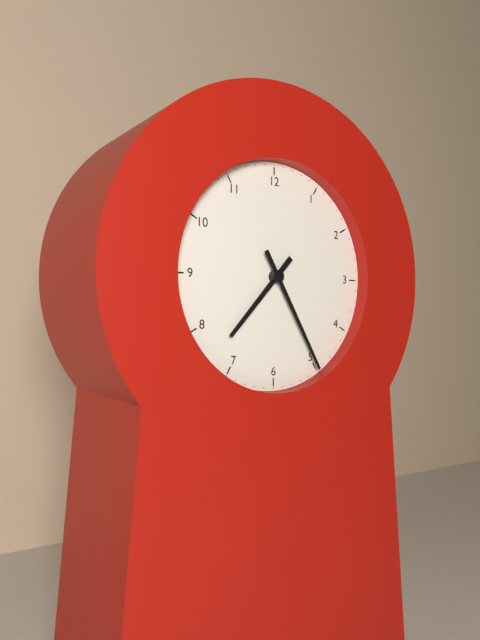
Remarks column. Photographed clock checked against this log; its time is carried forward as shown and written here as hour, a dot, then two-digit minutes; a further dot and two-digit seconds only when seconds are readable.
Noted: 7.25
